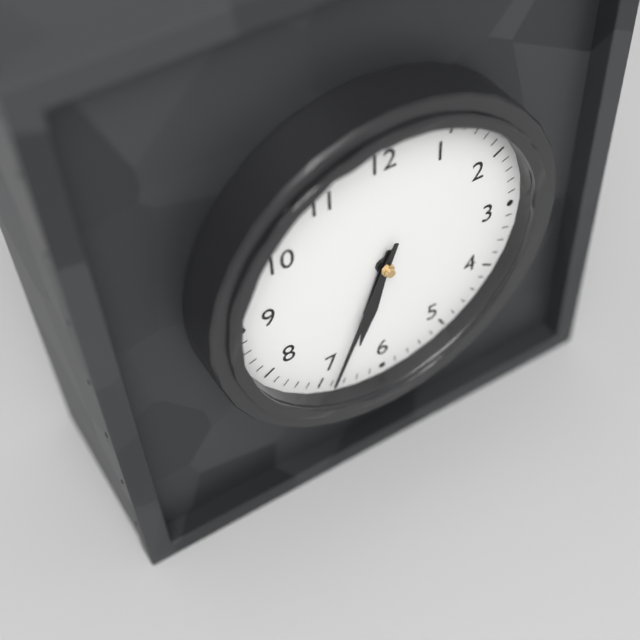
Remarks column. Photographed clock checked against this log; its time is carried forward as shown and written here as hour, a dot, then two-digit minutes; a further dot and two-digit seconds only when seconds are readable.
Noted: 6.34
